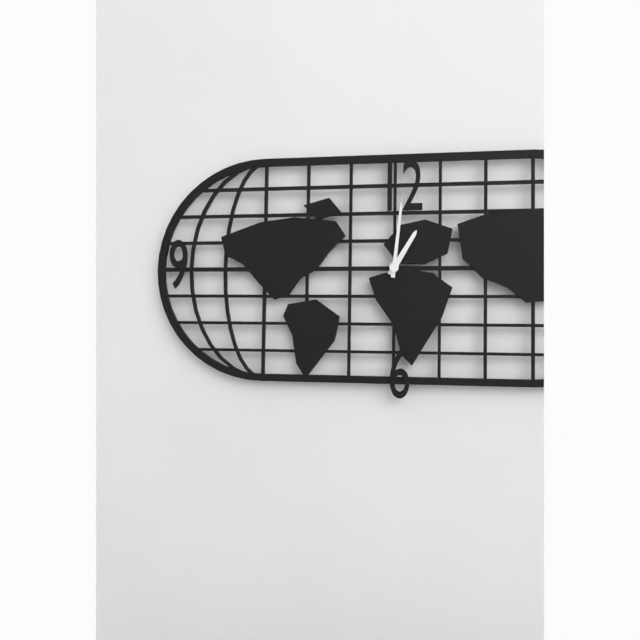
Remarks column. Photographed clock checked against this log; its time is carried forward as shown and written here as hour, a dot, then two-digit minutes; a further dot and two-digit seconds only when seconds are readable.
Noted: 1.01
